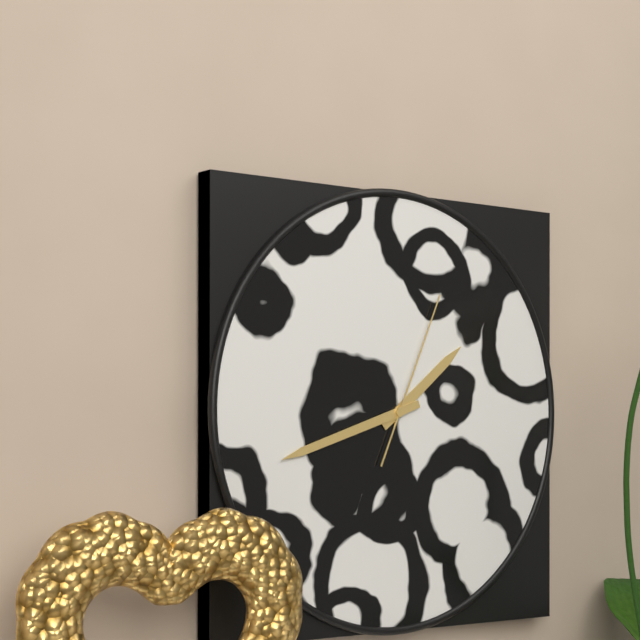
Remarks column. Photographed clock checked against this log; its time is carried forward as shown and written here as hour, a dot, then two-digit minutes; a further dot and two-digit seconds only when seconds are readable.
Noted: 1.42.04
